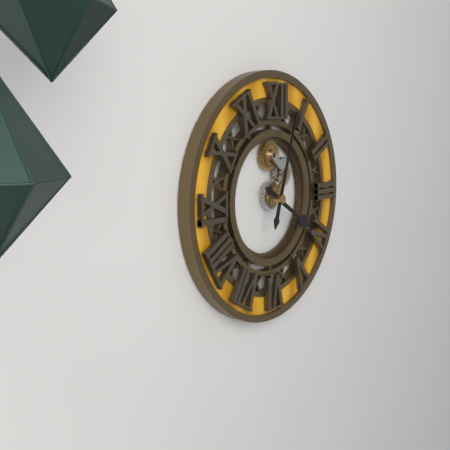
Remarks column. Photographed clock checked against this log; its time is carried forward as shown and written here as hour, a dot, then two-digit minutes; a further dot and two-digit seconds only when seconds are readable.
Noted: 4.03
